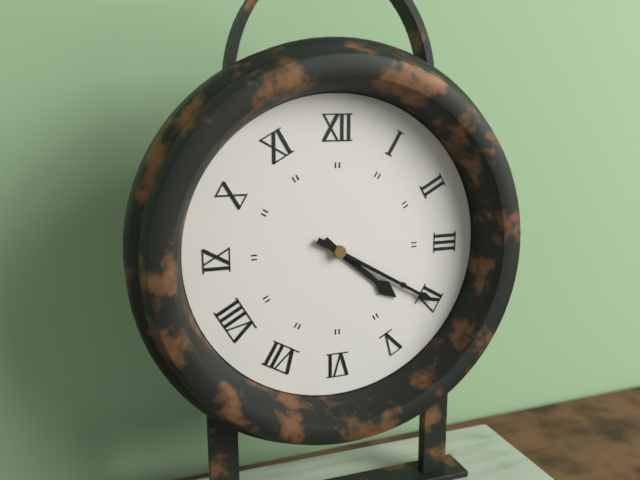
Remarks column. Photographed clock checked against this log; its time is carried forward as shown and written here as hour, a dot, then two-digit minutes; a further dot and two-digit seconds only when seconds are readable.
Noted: 4.20
